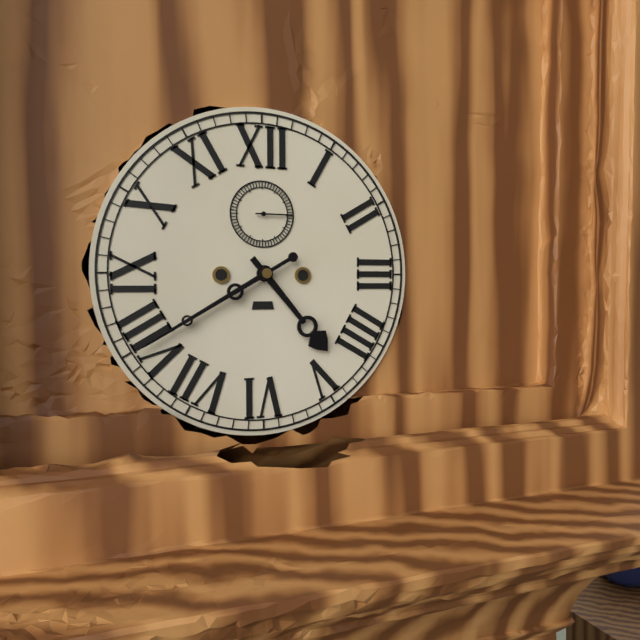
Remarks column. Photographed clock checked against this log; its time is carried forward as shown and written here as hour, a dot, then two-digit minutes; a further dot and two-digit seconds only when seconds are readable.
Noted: 4.40
